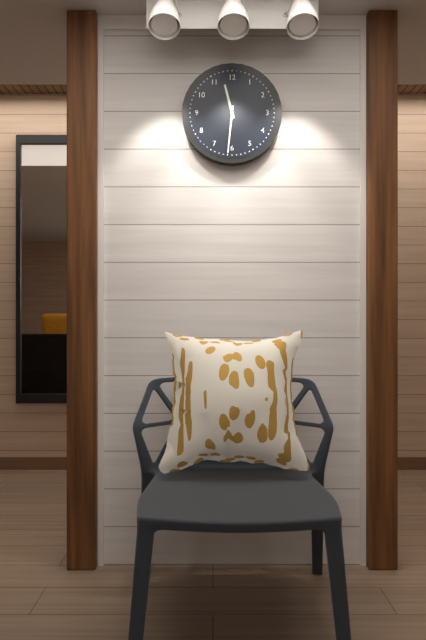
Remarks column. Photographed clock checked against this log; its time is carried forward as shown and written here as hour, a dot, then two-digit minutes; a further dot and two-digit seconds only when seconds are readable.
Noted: 11.31
